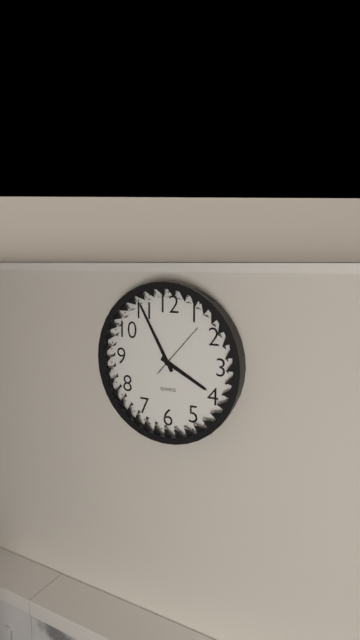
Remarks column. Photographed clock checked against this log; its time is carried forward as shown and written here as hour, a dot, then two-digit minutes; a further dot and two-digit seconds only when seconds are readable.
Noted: 3.55.07
